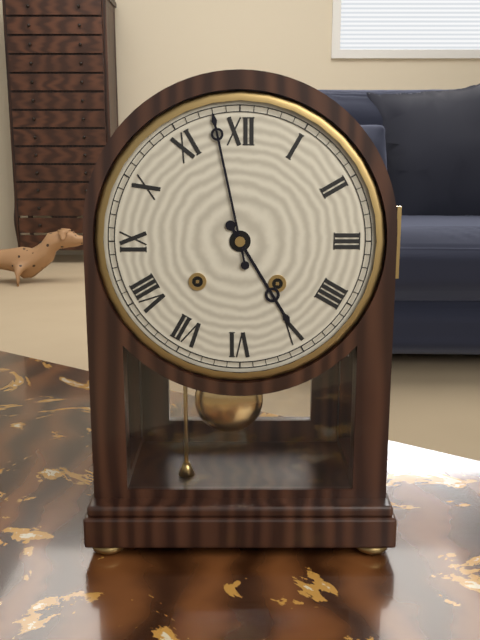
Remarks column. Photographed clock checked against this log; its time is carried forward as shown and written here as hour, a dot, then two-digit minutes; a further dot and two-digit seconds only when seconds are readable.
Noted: 4.58
